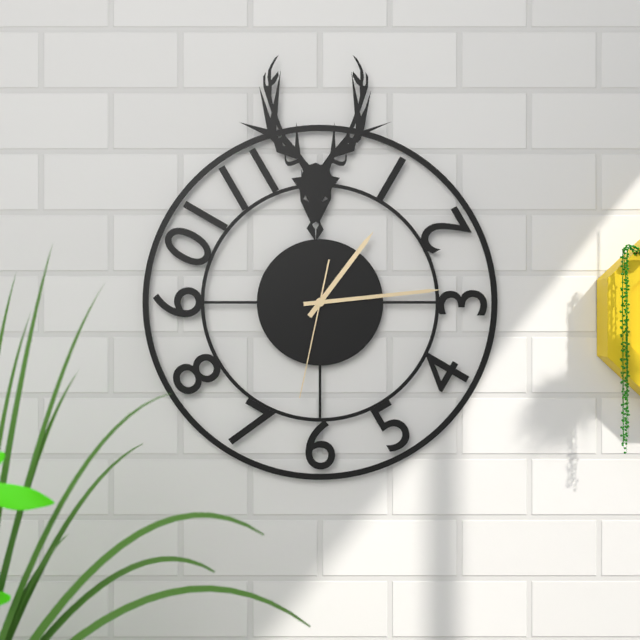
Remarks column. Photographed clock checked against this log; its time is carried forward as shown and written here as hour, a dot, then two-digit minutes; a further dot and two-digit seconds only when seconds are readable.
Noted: 1.14.32
